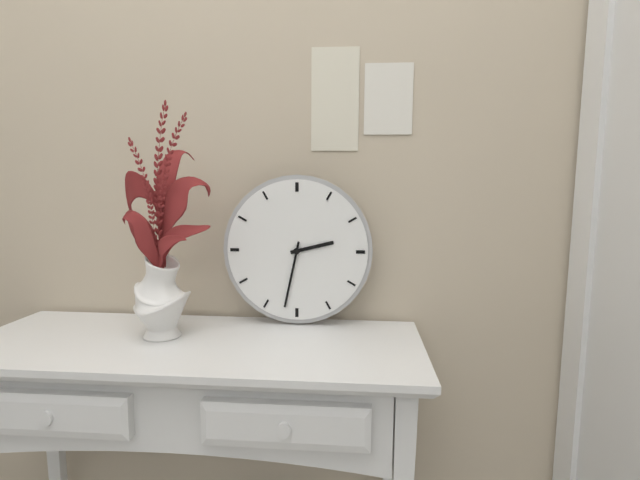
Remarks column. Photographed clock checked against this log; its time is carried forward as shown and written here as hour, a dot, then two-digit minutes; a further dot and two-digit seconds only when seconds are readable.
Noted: 2.32
